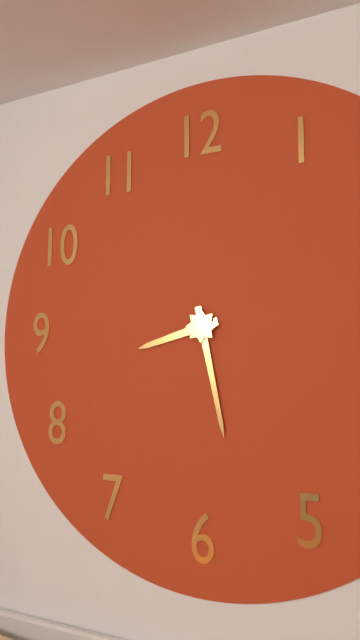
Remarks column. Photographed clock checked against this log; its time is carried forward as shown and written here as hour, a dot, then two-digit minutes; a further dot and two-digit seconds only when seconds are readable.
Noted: 8.28
